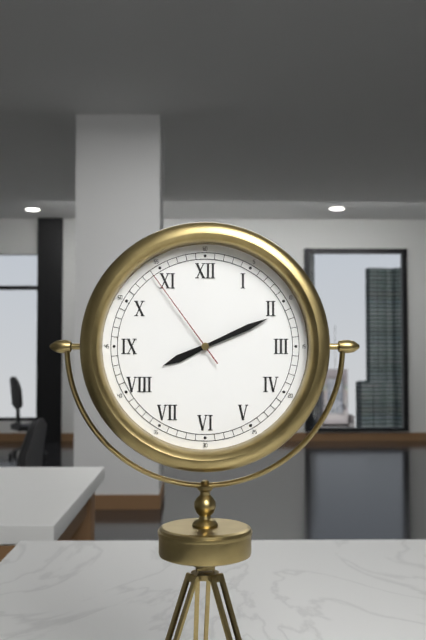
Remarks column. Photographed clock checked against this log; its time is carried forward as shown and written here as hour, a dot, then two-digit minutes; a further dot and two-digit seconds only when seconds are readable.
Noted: 8.11.54
